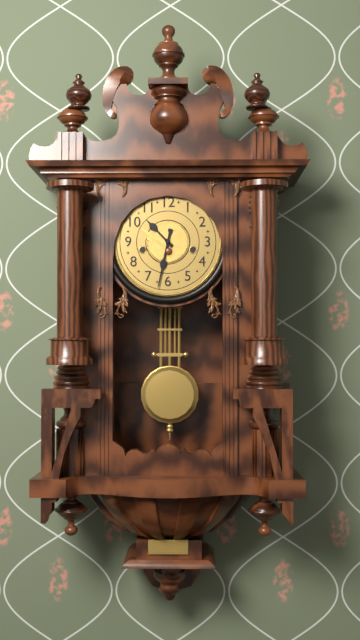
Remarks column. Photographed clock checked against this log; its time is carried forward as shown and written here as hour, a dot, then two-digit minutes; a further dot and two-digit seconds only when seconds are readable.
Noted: 10.32
